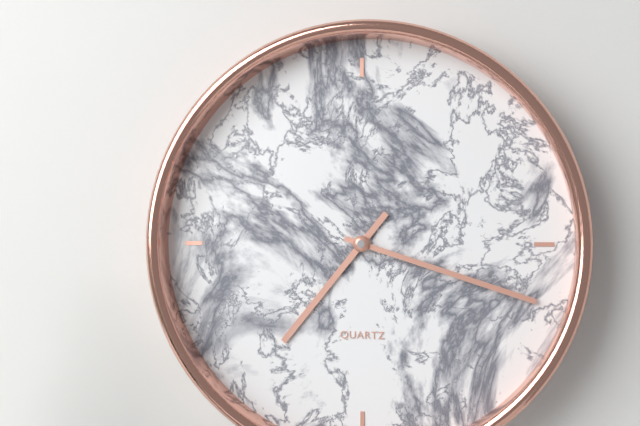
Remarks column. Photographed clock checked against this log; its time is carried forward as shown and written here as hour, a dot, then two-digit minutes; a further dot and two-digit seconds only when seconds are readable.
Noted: 7.18
